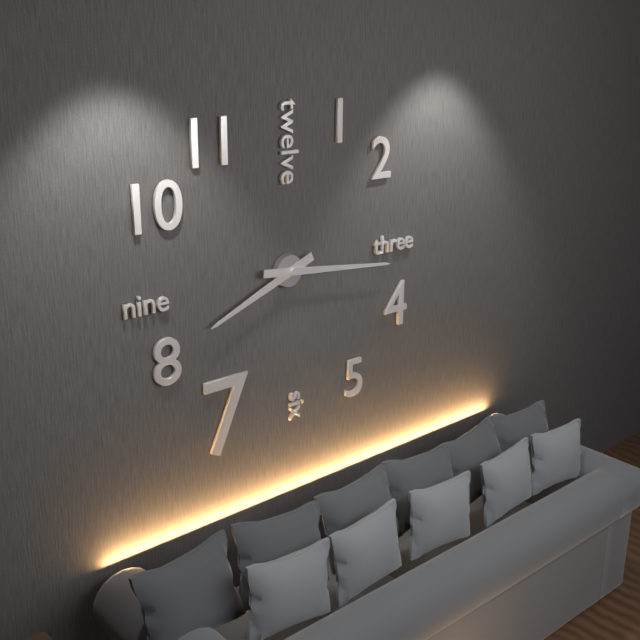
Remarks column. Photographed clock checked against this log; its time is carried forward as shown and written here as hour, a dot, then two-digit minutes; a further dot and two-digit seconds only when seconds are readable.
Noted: 8.16
